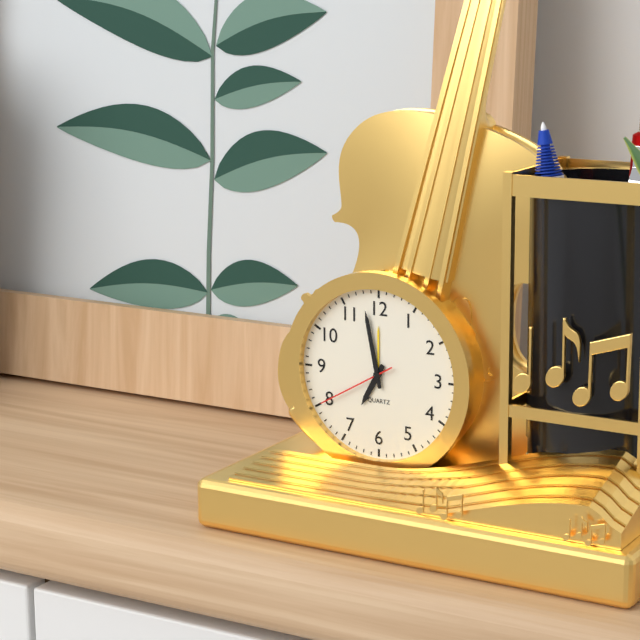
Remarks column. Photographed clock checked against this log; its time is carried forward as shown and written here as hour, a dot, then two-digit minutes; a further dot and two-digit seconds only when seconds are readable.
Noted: 6.58.40
